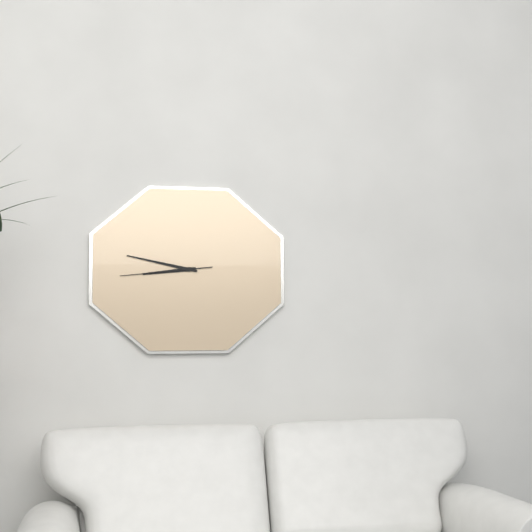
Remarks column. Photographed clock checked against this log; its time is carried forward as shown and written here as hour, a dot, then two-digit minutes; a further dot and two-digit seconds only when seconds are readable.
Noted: 8.47.44
